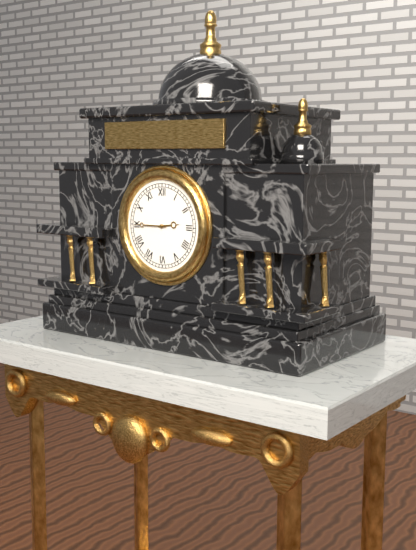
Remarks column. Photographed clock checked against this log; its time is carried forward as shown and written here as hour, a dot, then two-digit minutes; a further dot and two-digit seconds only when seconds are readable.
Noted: 2.45
